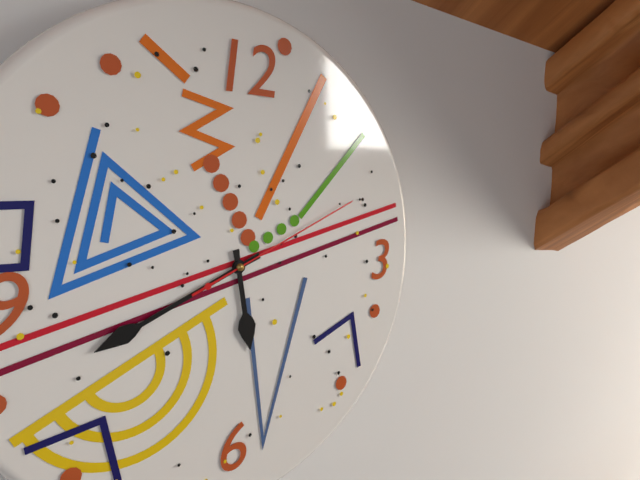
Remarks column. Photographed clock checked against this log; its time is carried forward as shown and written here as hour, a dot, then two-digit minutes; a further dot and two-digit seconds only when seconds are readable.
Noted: 5.41.11
